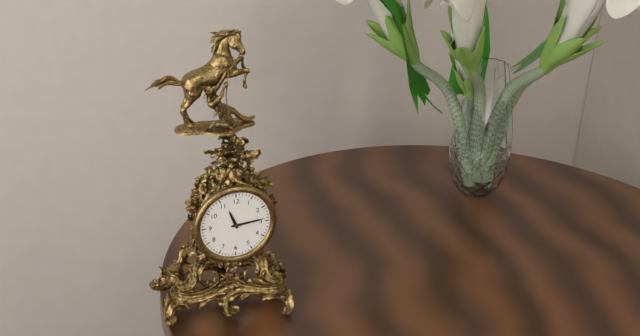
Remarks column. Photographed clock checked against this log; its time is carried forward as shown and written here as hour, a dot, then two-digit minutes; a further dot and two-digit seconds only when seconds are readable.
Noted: 11.14
